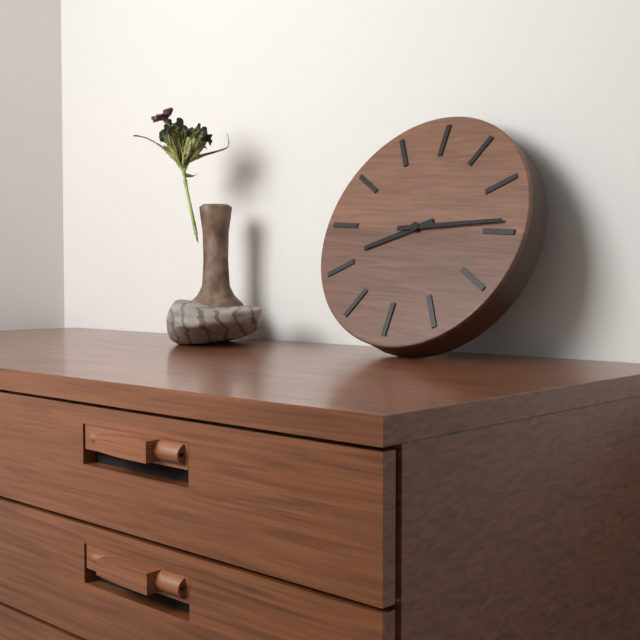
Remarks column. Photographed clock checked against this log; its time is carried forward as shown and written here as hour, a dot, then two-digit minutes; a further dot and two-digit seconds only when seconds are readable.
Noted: 8.14
